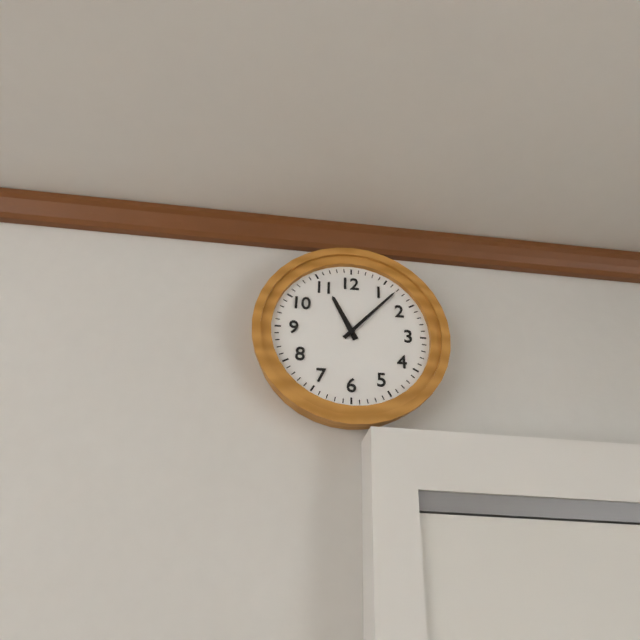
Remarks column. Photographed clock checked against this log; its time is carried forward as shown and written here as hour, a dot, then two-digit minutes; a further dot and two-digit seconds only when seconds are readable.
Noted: 11.07
